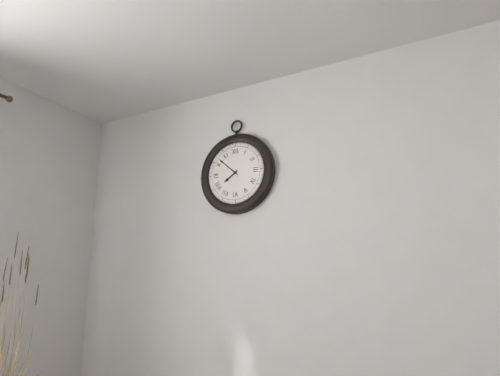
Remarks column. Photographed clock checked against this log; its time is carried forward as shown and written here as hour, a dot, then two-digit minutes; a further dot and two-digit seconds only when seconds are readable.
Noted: 7.52
